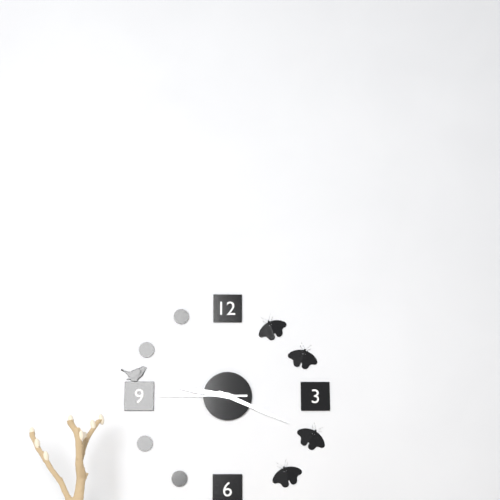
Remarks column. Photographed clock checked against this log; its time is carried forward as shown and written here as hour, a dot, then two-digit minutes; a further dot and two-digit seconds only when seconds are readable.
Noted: 9.19.45
